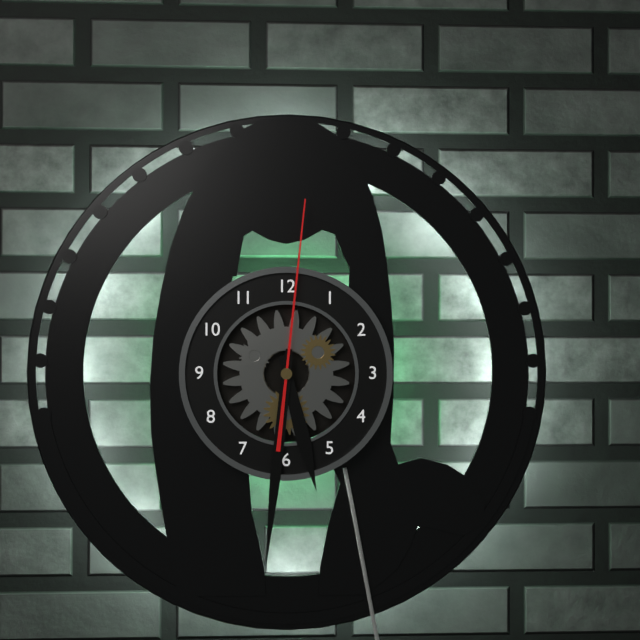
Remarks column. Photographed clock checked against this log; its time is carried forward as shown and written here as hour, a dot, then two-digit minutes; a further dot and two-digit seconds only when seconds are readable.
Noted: 5.31.01
